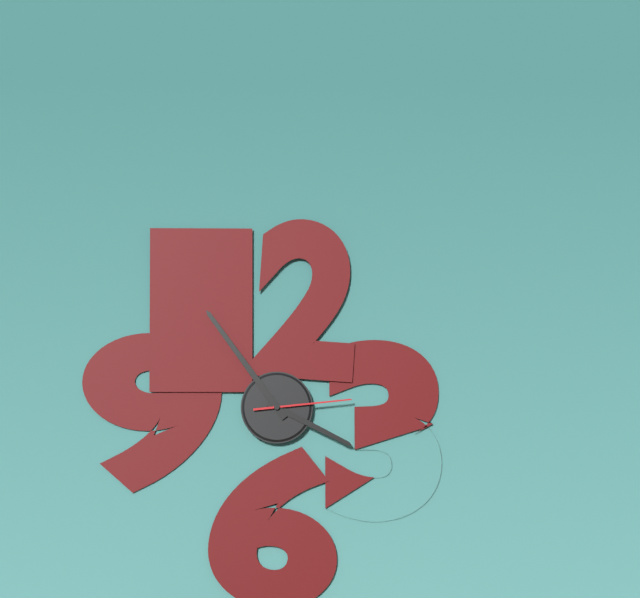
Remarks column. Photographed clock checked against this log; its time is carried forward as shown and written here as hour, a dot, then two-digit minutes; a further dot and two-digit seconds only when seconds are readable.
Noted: 3.54.14
